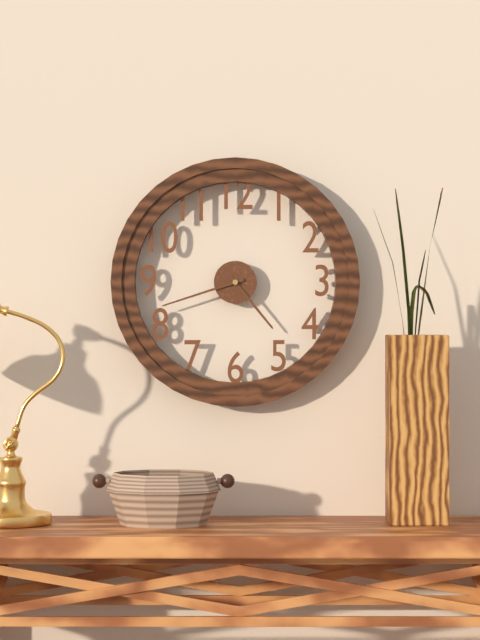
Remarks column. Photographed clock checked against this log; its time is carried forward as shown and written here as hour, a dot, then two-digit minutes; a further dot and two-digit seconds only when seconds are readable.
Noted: 4.42
